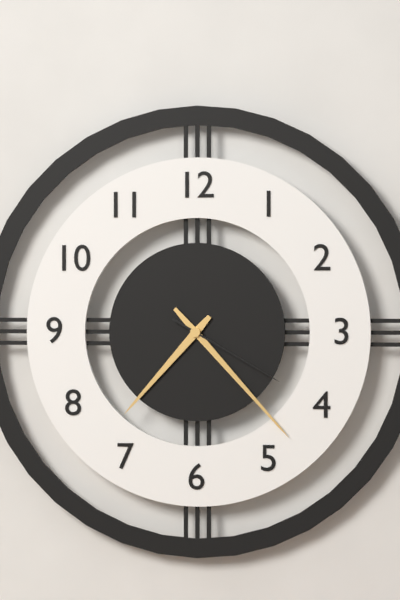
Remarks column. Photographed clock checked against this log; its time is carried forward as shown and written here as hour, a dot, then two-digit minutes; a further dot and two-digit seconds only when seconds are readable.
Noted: 7.23.20
